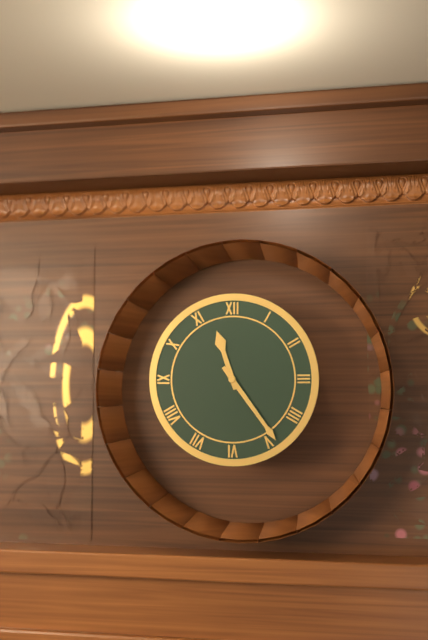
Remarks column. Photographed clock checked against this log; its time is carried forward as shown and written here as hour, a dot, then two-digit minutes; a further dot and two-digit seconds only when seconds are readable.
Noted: 11.24
